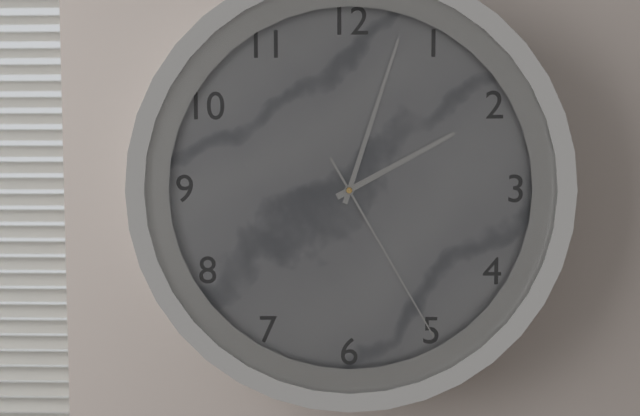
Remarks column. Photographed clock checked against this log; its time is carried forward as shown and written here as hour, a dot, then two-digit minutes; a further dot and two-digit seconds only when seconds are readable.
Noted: 2.03.25
